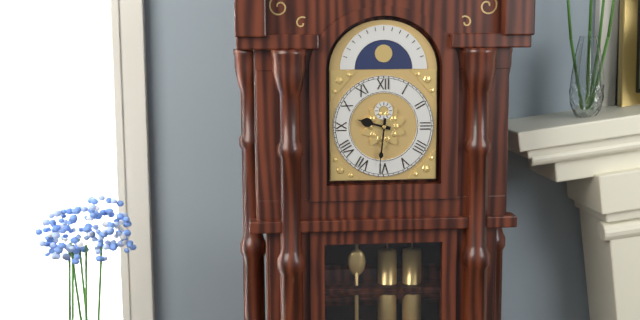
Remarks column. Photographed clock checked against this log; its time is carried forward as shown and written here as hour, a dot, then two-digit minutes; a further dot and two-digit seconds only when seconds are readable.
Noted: 9.31
